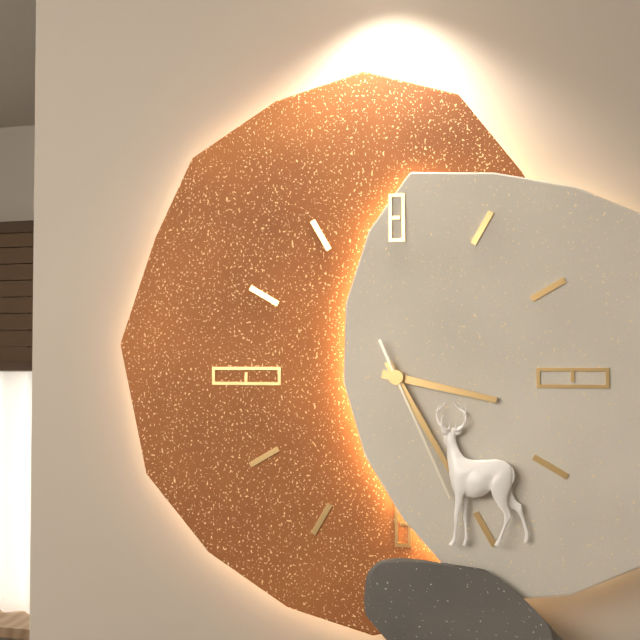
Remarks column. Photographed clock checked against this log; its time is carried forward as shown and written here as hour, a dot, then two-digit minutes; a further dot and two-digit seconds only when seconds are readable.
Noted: 3.25.26
